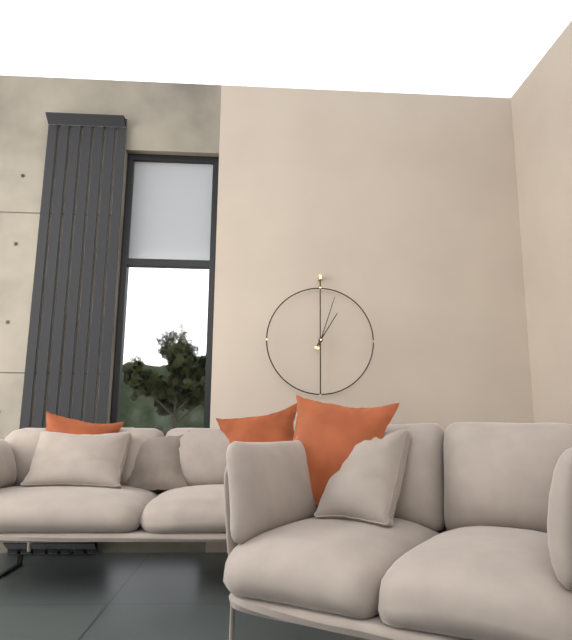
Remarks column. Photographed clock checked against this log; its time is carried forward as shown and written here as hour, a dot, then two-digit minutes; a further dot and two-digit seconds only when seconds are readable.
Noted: 1.03
